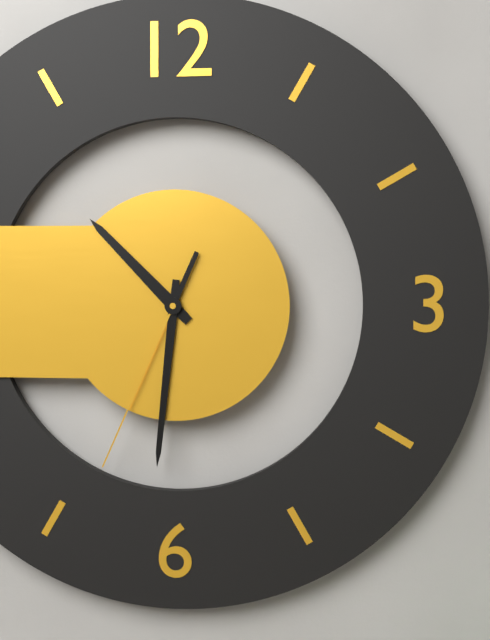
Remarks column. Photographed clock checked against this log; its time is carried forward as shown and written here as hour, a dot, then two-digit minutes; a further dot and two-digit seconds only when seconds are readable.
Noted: 10.31.34
